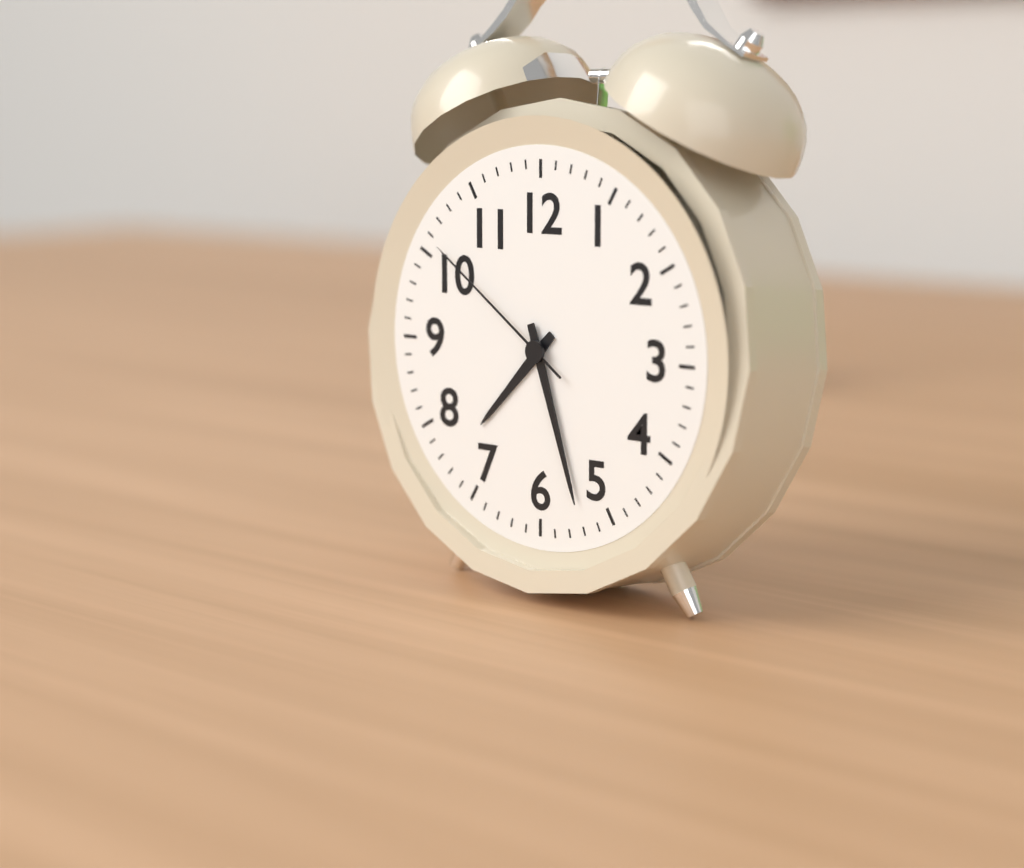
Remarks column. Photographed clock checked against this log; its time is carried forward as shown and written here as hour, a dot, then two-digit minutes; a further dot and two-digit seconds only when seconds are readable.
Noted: 7.27.51
